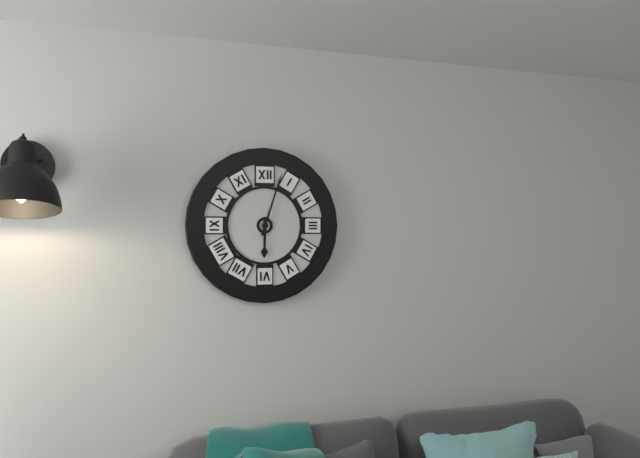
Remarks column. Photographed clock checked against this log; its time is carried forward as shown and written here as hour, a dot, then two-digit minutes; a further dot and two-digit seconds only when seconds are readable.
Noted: 6.03
